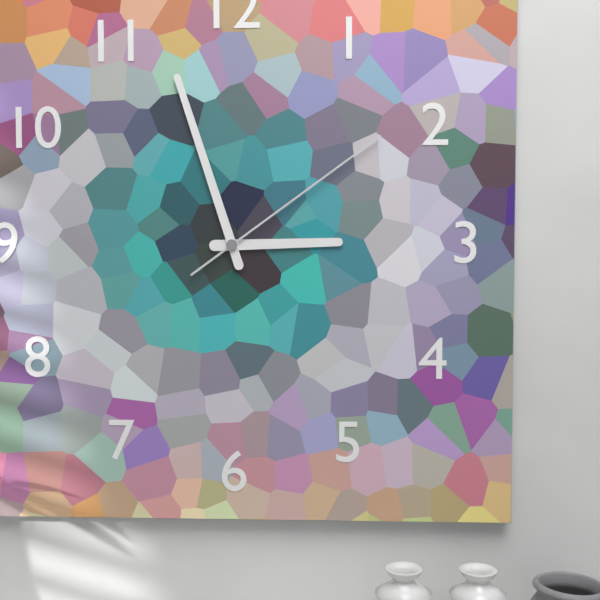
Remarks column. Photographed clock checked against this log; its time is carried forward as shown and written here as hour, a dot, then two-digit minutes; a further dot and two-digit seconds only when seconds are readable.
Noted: 2.57.09
